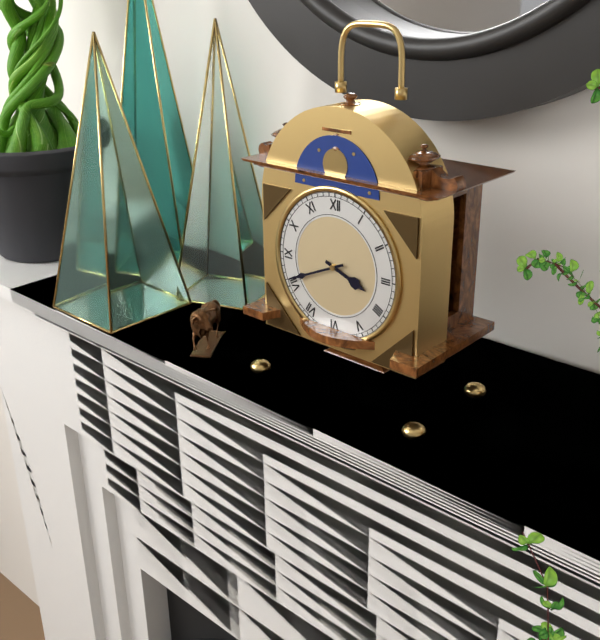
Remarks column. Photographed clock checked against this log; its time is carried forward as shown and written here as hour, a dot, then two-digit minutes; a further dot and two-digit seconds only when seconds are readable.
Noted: 3.41
